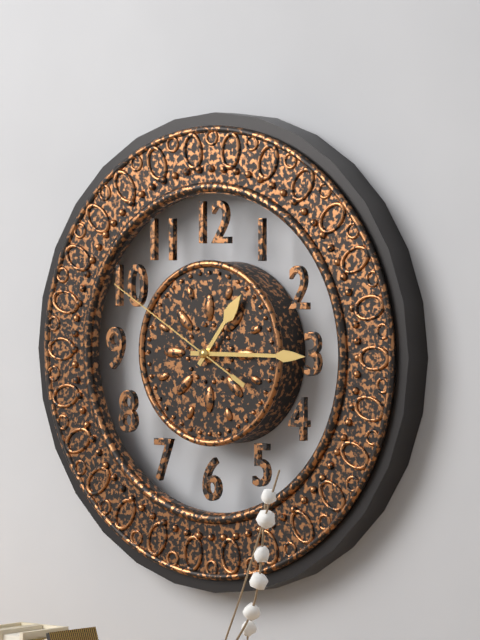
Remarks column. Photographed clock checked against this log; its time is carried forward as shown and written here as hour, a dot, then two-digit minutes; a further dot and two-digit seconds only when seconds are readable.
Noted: 1.15.50
